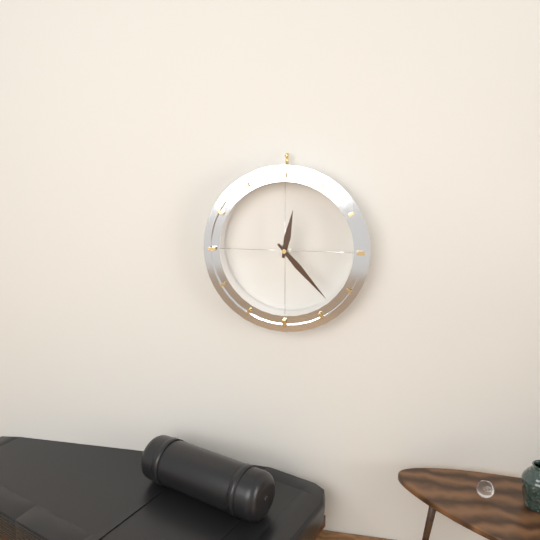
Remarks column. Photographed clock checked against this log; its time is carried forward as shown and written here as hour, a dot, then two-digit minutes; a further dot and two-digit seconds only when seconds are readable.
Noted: 12.23
